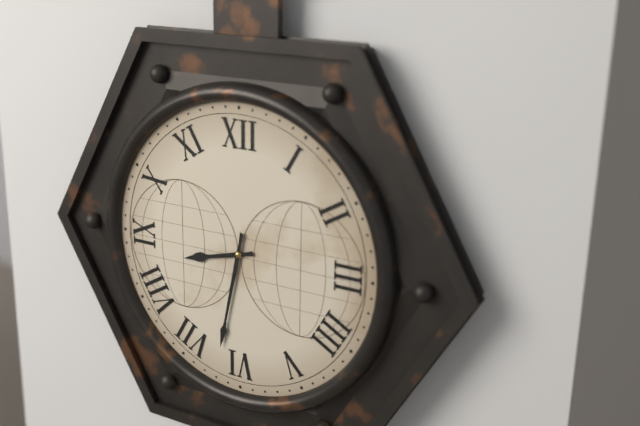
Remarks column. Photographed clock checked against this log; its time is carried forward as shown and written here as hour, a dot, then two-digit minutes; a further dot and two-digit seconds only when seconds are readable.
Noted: 8.32
